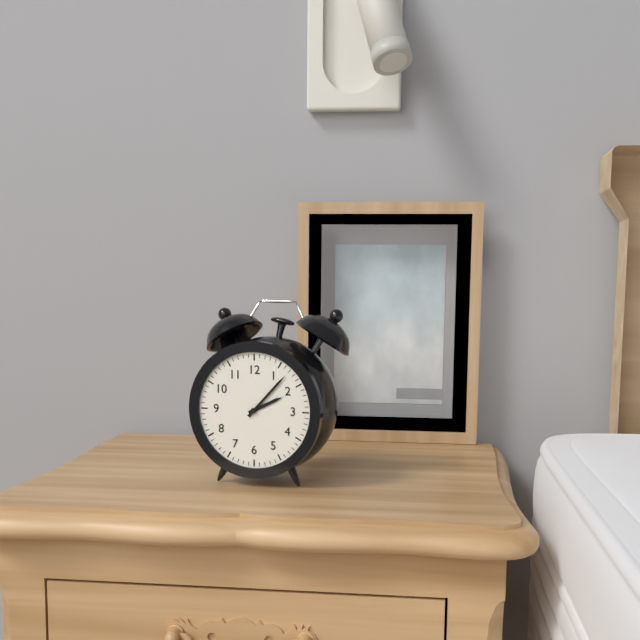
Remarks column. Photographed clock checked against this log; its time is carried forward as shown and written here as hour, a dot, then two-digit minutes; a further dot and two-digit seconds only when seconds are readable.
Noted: 2.07
